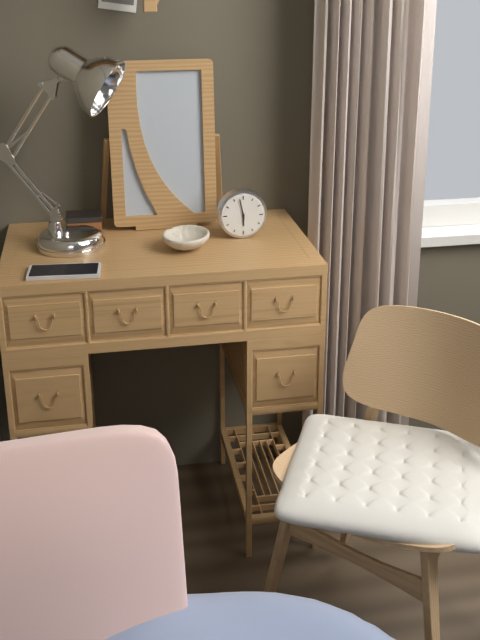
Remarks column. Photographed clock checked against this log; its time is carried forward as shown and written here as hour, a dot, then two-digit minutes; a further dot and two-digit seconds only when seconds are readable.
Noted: 5.58
